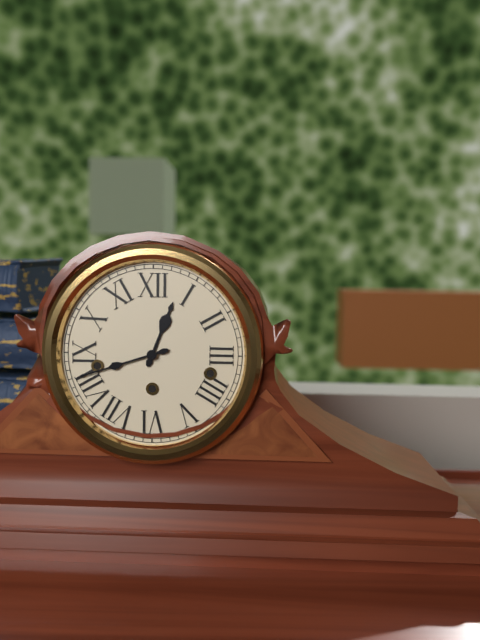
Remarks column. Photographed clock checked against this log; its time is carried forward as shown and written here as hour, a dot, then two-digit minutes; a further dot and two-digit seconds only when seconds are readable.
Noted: 12.42
